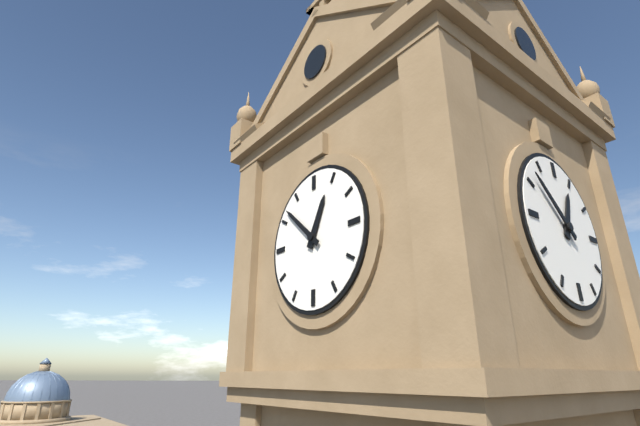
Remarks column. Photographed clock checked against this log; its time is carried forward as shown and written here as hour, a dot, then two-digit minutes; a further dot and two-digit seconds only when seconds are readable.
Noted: 12.52
